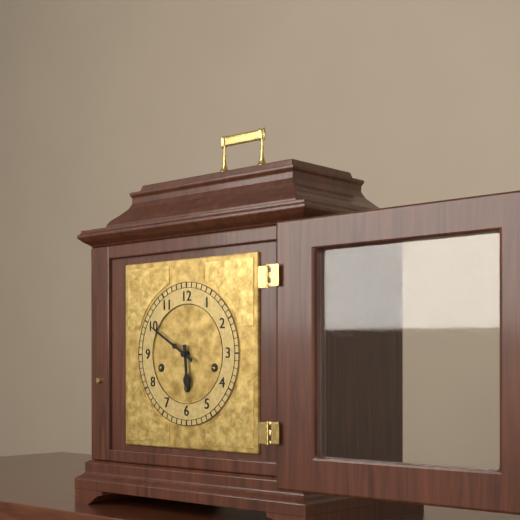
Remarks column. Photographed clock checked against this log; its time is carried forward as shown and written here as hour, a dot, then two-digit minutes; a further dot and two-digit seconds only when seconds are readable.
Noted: 5.50
